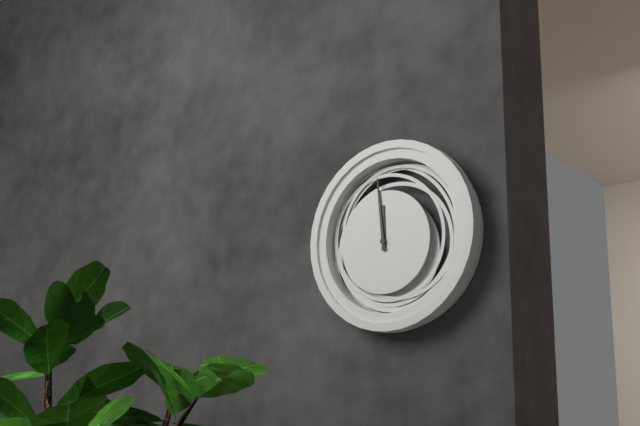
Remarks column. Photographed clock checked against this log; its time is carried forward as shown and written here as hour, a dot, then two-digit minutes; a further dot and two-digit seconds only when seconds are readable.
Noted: 11.59
